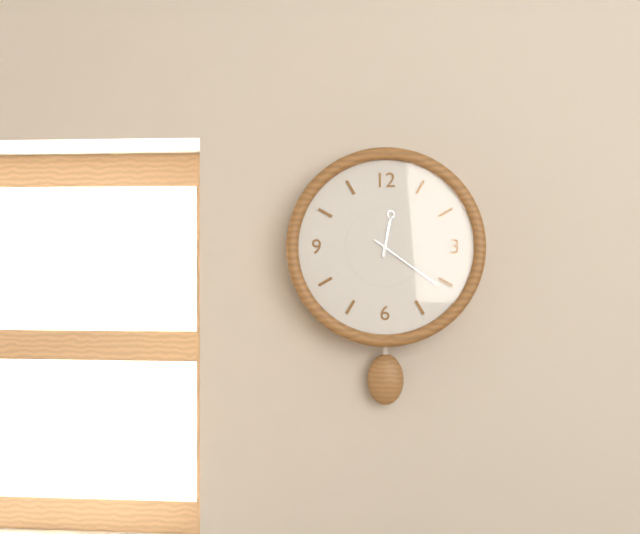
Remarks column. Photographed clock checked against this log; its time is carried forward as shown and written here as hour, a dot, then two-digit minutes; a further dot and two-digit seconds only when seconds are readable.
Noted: 12.21
